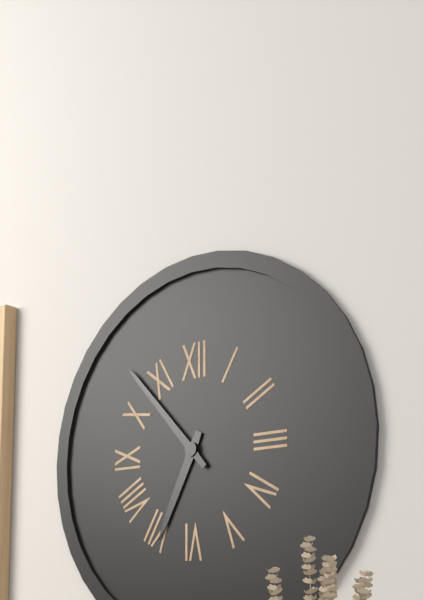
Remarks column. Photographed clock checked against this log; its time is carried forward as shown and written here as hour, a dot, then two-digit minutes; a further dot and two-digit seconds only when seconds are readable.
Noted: 6.53
